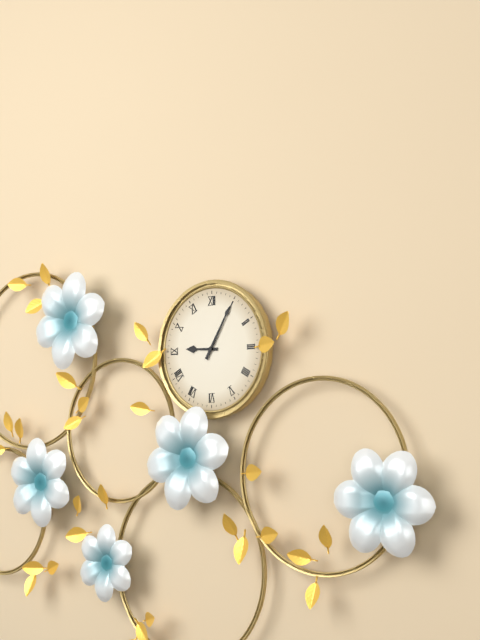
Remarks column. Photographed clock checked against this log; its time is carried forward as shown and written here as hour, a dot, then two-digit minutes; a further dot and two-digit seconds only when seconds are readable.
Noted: 9.05
